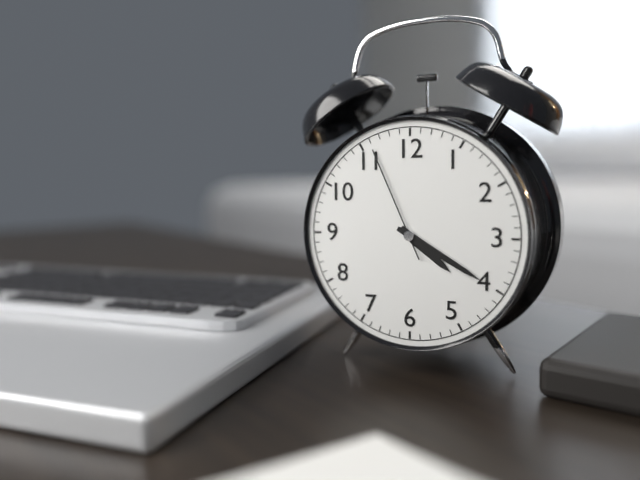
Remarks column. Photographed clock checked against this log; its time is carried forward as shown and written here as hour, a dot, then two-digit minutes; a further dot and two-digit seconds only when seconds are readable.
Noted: 4.20.56
